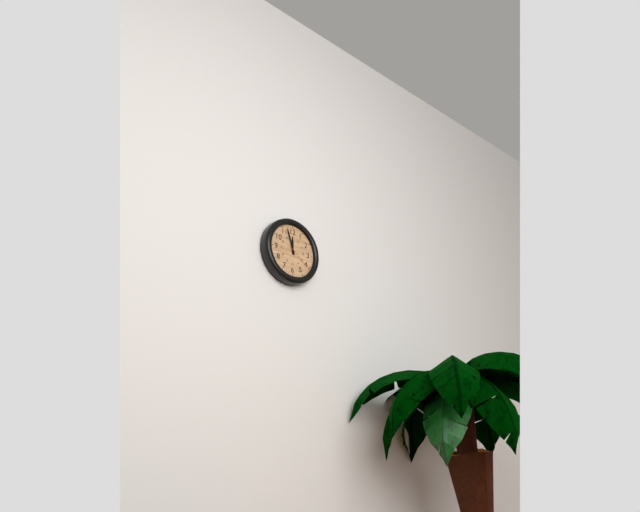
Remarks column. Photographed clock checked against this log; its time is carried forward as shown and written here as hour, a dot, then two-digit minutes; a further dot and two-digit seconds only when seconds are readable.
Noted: 11.57
